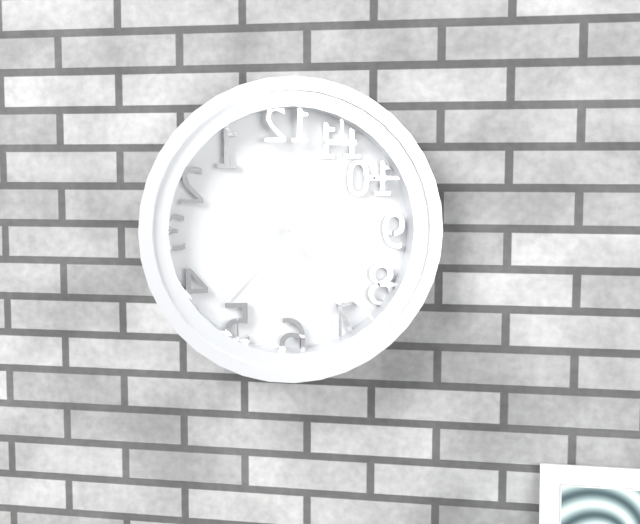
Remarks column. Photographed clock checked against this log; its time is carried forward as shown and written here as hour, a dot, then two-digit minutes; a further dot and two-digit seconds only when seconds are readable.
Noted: 7.23
